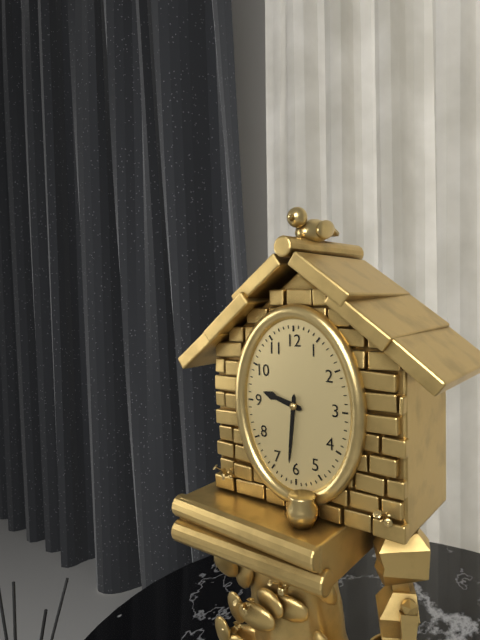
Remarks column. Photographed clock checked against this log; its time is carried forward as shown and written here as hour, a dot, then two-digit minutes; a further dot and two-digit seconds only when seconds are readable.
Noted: 9.31
